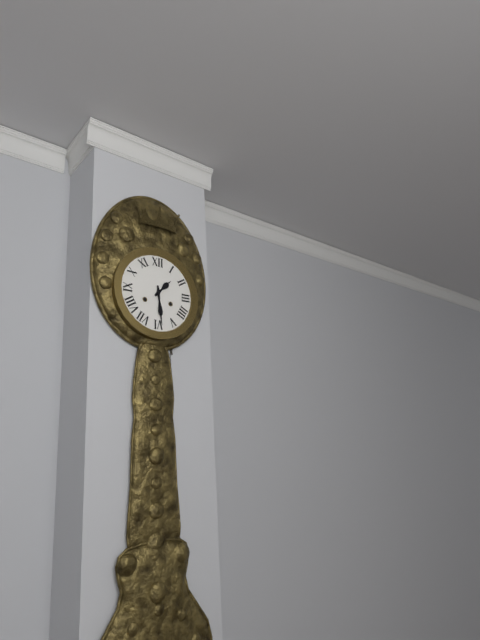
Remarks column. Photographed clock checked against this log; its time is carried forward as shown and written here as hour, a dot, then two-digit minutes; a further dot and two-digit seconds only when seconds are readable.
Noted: 1.29
